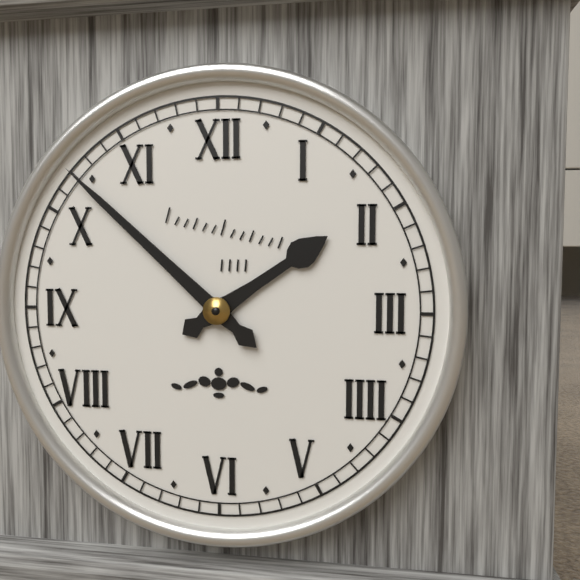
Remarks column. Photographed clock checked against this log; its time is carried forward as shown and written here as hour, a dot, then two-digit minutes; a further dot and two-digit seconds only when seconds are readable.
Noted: 1.52
